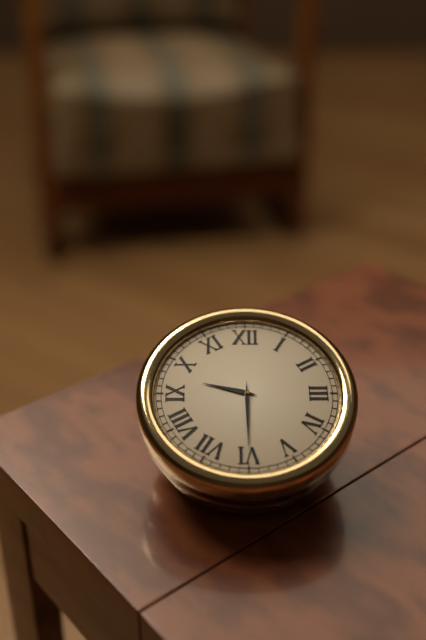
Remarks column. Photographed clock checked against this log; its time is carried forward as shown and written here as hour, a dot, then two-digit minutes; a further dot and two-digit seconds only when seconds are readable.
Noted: 9.30
